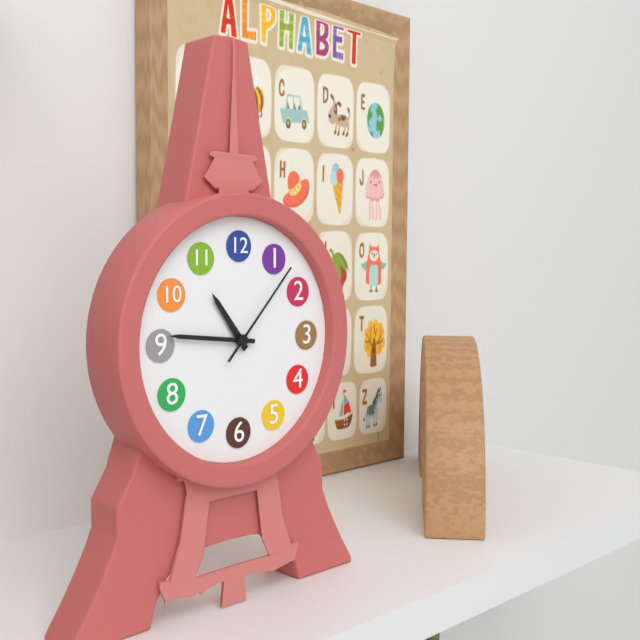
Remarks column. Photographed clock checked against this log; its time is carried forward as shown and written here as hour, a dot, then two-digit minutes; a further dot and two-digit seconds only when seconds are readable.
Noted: 10.46.07
